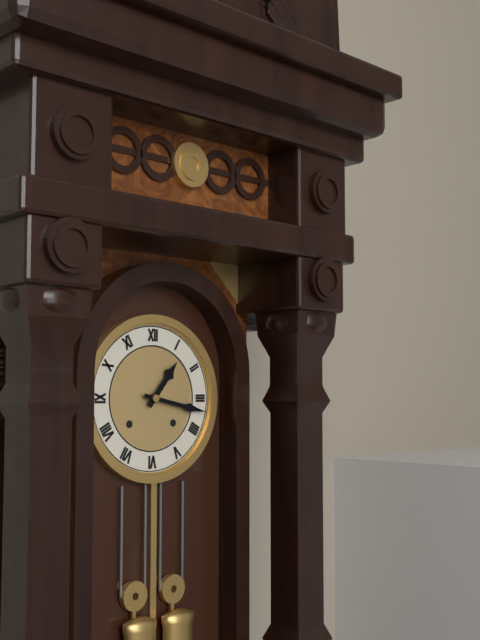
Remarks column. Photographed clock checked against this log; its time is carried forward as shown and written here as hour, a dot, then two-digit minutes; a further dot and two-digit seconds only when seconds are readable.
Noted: 1.17
